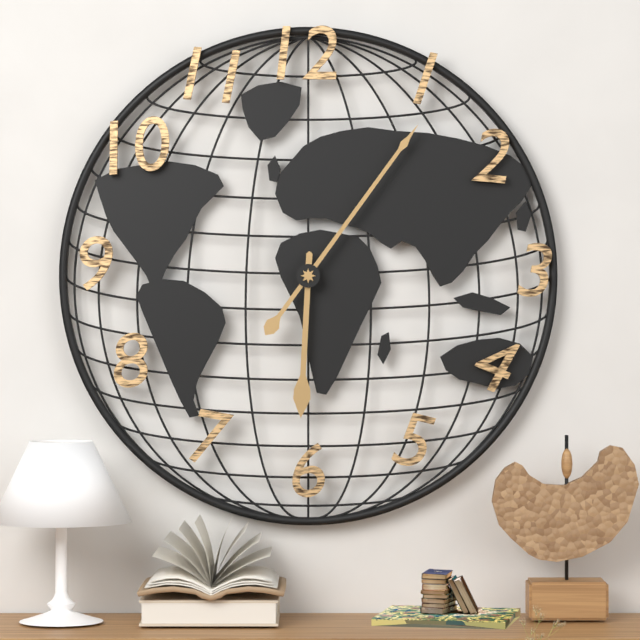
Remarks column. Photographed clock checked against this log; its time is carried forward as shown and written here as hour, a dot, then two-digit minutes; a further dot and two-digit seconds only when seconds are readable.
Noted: 6.06
